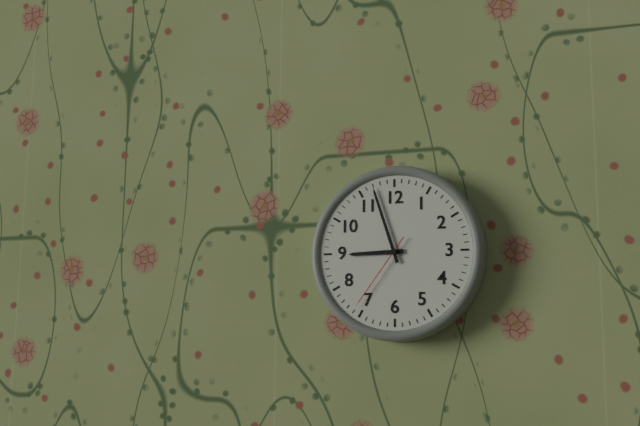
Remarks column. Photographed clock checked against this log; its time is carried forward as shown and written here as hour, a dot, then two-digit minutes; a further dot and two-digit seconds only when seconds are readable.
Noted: 8.57.36
